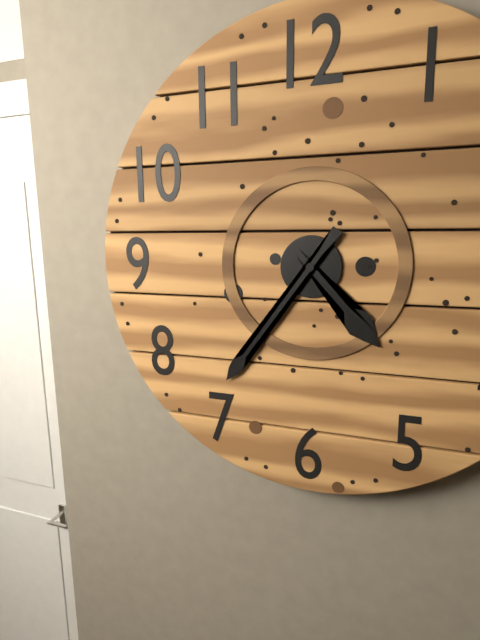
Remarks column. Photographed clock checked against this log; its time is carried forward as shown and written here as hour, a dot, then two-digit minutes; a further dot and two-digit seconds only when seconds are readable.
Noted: 4.36
